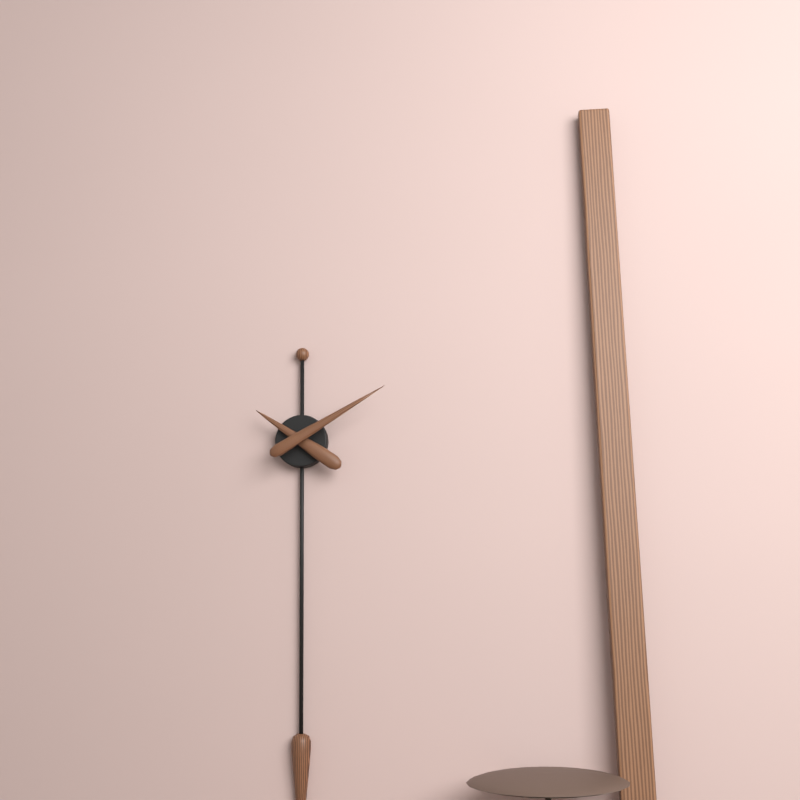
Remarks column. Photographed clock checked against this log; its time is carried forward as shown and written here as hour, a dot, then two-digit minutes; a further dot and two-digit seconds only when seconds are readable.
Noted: 10.10
